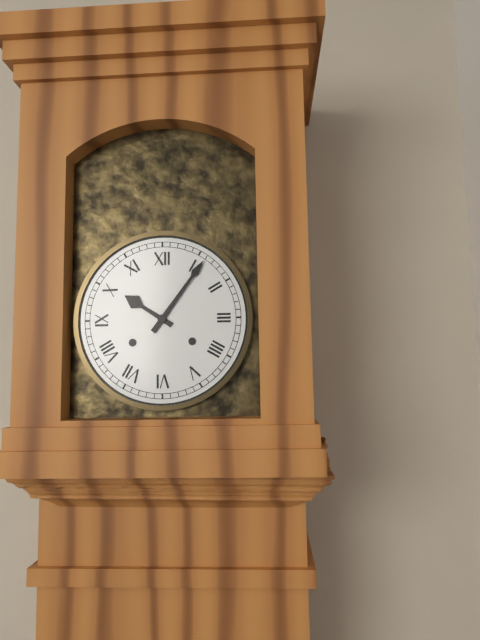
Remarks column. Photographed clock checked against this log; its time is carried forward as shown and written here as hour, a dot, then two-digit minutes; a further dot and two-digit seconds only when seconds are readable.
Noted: 10.06
